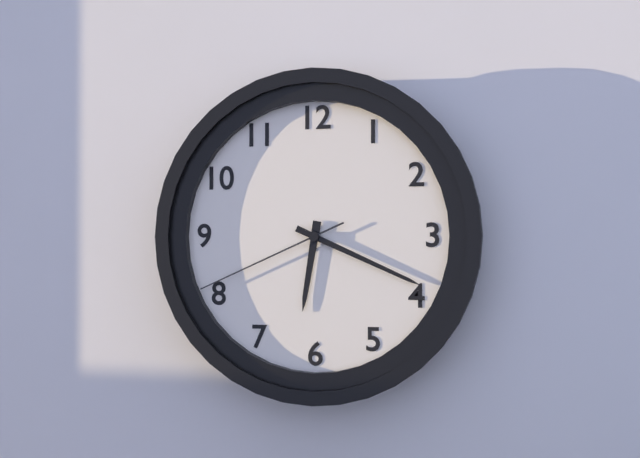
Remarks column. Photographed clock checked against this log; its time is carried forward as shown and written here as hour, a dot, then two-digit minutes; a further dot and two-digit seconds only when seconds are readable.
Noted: 6.19.41
